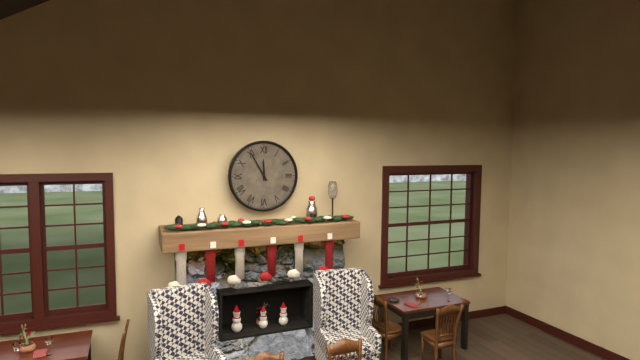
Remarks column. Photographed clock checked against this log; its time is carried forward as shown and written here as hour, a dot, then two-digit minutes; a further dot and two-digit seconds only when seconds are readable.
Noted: 11.55
